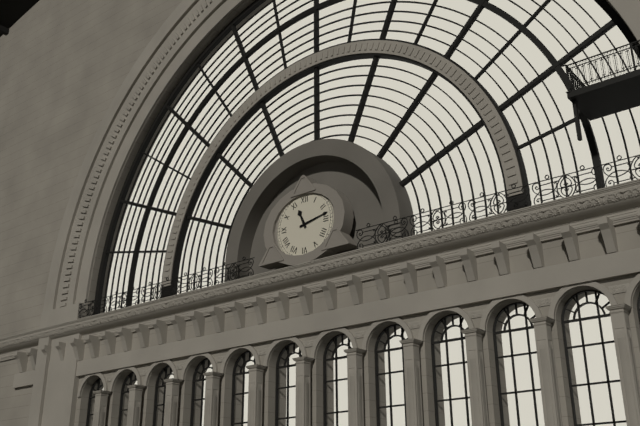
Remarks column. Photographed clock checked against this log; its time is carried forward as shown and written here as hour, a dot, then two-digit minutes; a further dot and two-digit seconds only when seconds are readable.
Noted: 11.13
